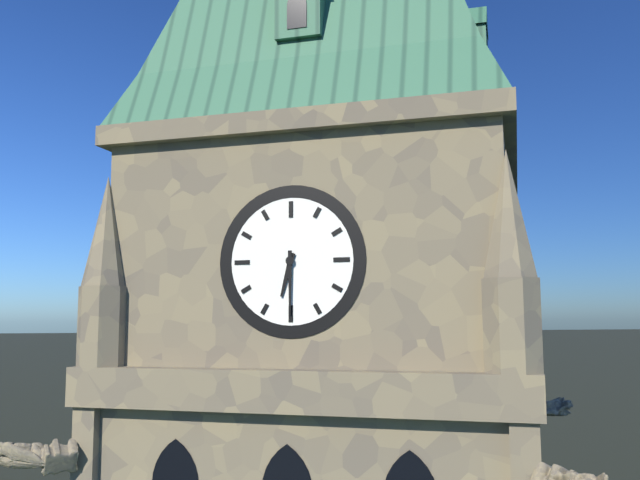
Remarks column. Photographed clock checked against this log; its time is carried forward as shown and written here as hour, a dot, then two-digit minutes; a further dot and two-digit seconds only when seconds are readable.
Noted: 6.30
